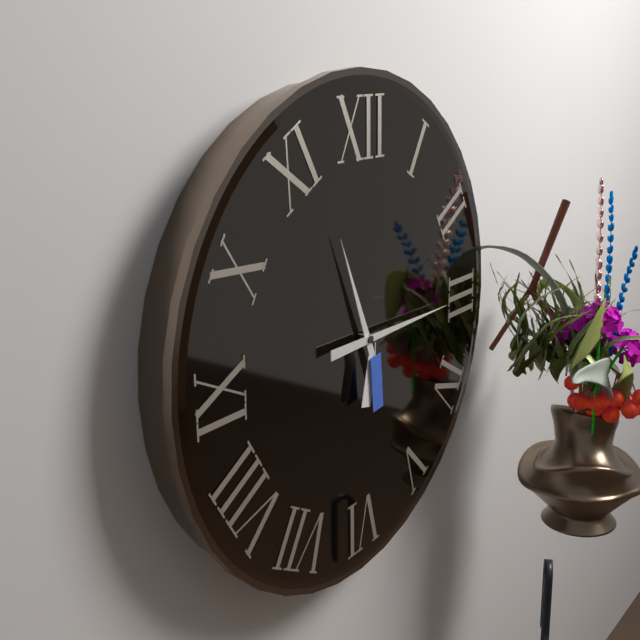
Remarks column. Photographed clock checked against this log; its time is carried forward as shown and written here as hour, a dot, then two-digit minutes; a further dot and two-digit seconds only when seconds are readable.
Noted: 11.15
